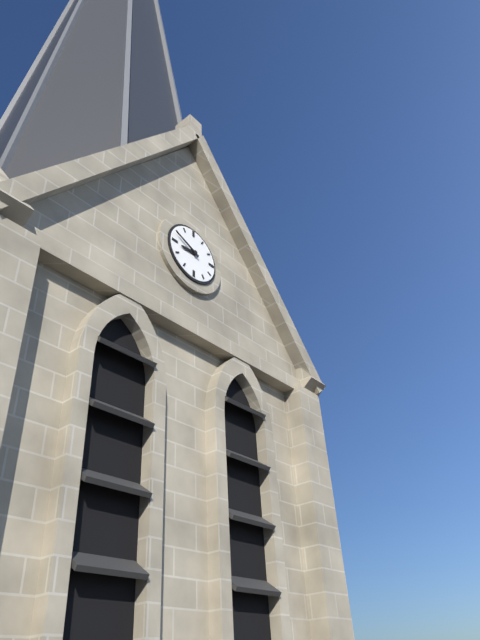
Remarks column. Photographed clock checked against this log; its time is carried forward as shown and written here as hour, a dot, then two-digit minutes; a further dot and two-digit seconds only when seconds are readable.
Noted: 8.49
